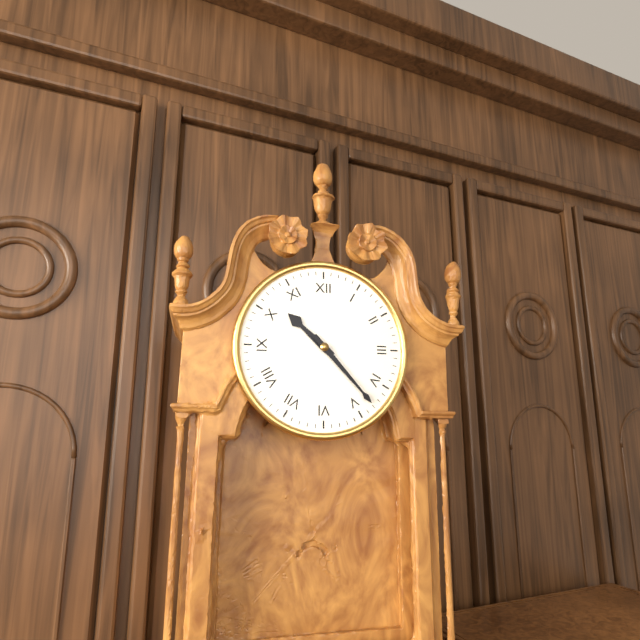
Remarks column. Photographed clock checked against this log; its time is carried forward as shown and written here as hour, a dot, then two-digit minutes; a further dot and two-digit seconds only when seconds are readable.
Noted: 10.23
